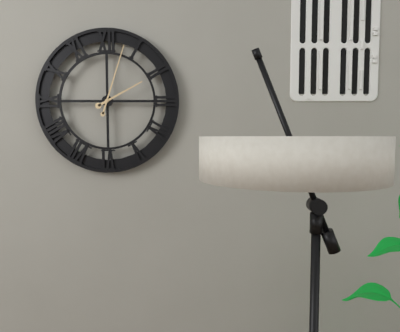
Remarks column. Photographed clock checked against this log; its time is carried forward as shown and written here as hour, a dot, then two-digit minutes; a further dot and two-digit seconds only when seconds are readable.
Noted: 2.03
